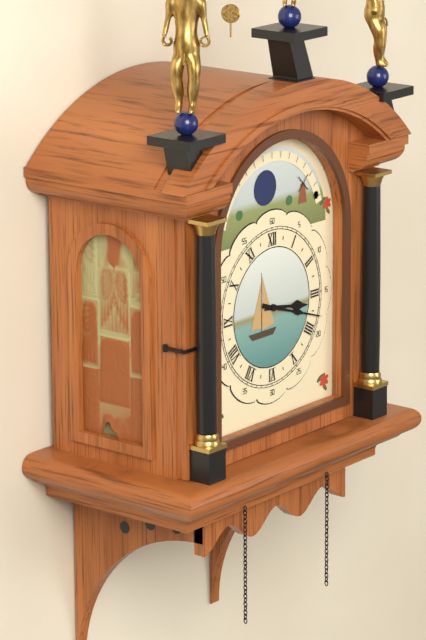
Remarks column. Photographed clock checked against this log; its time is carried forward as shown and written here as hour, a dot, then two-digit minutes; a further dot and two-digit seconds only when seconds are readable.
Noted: 3.18
